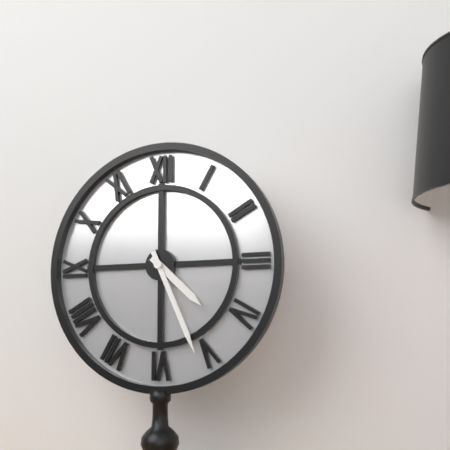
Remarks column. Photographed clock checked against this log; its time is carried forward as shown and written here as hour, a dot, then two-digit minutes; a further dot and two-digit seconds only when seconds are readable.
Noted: 4.26
